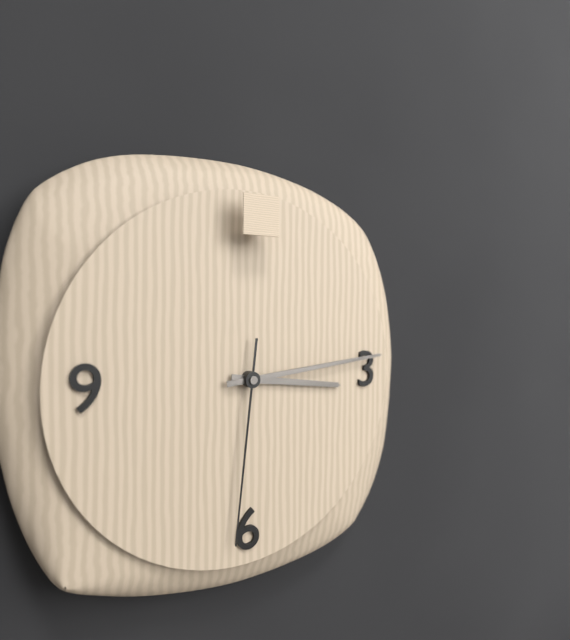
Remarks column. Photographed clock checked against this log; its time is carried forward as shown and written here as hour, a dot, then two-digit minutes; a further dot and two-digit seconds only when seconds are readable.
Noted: 3.14.31
